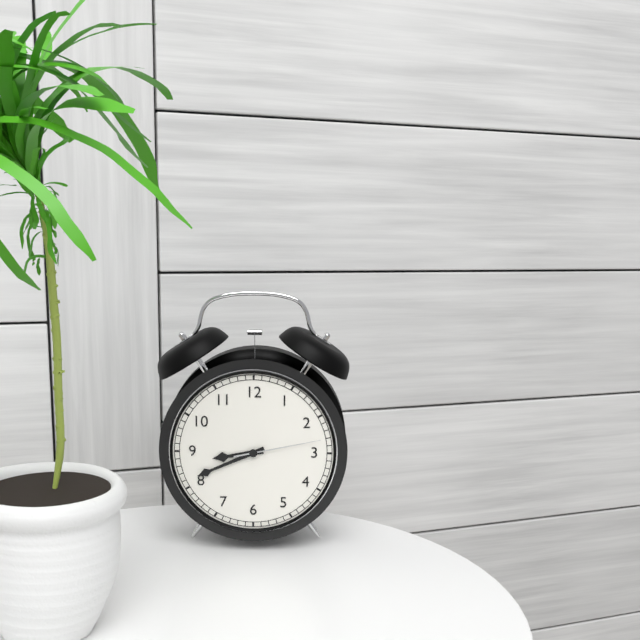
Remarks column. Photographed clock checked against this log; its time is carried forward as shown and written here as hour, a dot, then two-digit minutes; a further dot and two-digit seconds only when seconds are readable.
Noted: 8.41.13
